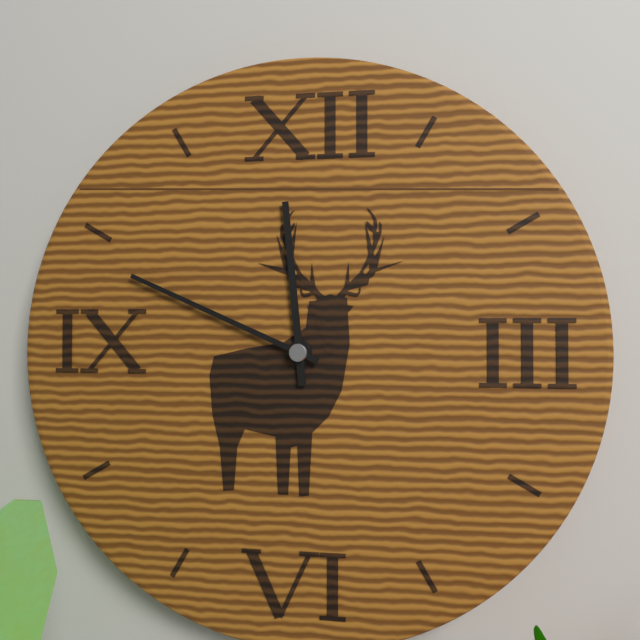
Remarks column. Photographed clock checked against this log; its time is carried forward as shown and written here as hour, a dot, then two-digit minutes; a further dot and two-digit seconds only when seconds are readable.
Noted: 11.49
